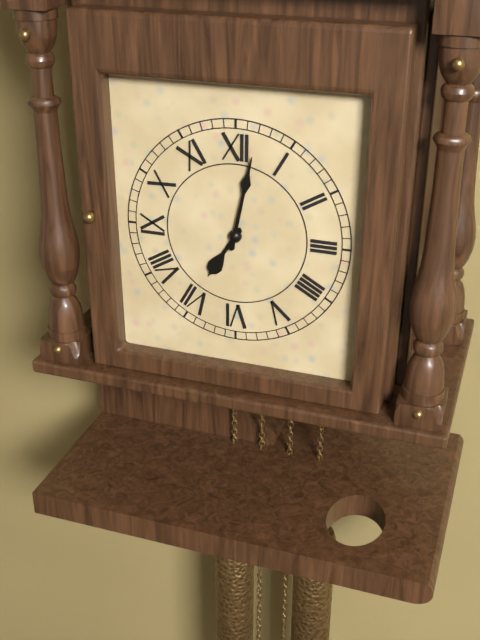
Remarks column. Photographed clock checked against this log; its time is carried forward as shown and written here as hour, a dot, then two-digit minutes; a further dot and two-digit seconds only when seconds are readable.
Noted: 7.02
